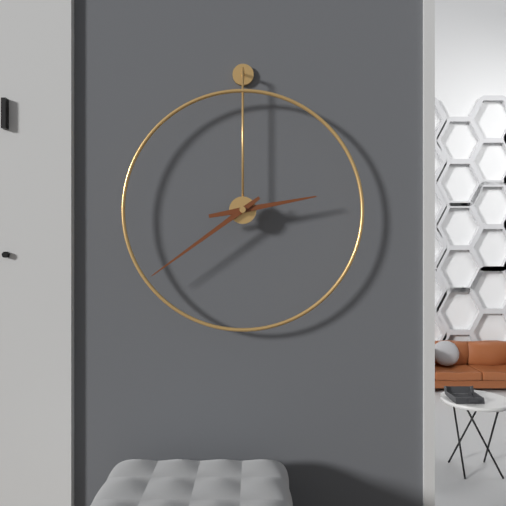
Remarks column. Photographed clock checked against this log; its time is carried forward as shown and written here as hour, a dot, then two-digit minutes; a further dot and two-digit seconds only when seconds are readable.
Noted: 2.39
